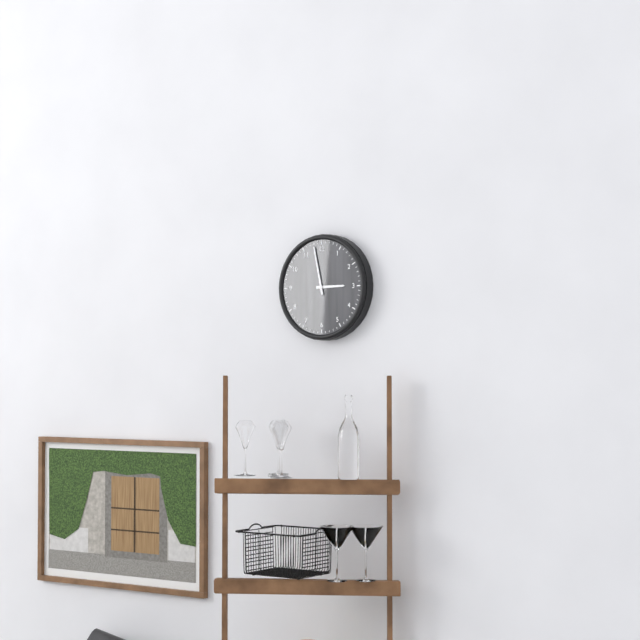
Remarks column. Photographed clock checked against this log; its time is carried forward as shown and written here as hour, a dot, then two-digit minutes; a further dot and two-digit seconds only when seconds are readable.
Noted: 2.58
